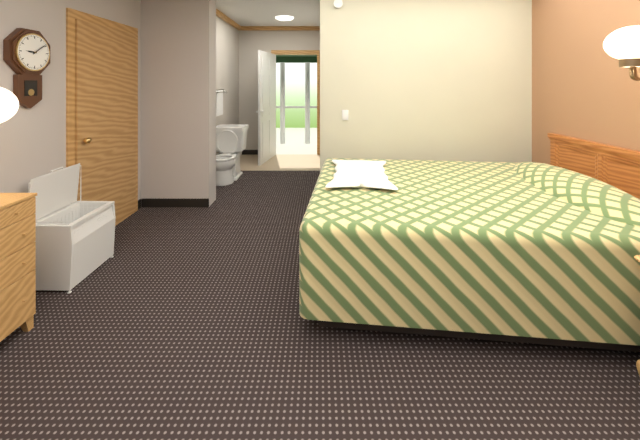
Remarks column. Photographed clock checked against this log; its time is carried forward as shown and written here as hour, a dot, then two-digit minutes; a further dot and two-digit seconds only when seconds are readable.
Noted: 9.09
